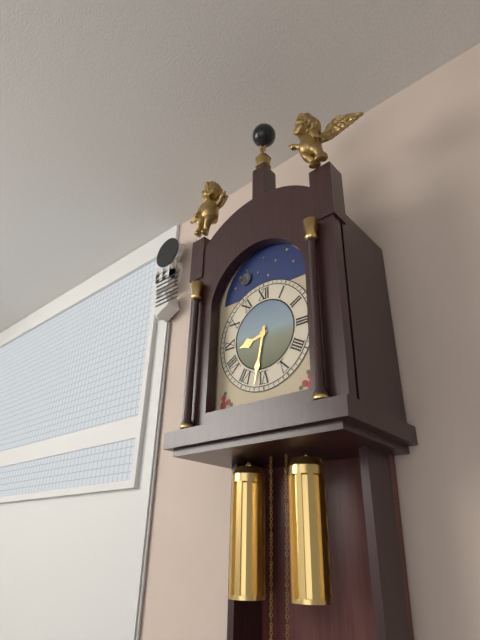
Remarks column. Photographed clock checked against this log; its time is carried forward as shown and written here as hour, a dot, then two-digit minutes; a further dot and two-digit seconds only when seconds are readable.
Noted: 8.32
